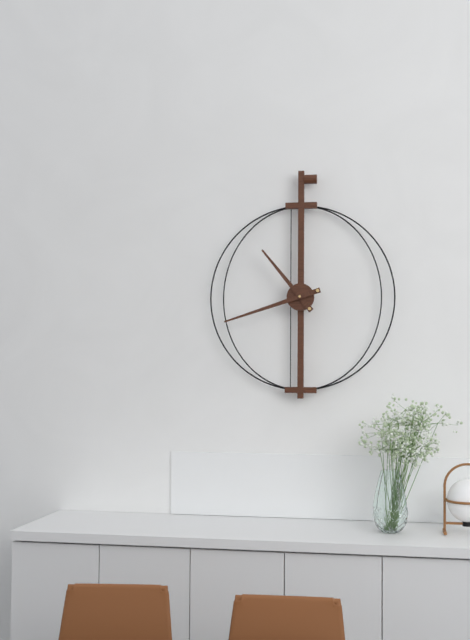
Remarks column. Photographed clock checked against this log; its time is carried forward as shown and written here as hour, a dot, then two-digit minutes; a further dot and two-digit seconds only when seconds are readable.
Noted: 10.42
